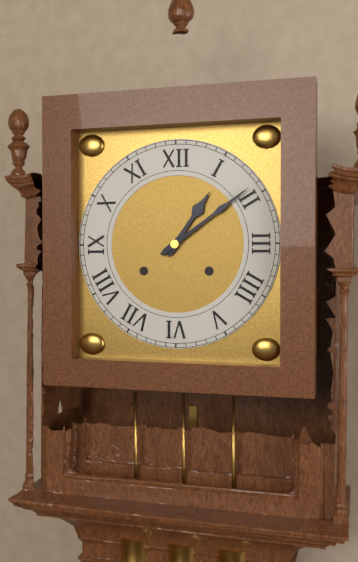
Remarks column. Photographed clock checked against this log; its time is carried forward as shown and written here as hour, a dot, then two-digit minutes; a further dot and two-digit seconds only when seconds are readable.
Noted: 1.09
